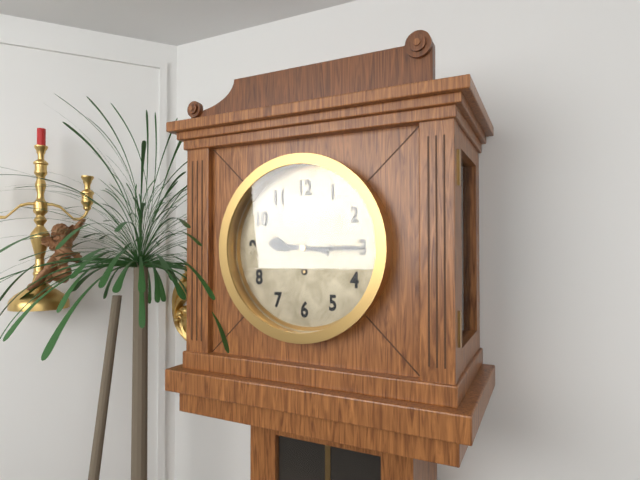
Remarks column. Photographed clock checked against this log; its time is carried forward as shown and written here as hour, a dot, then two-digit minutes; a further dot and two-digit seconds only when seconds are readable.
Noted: 9.15
